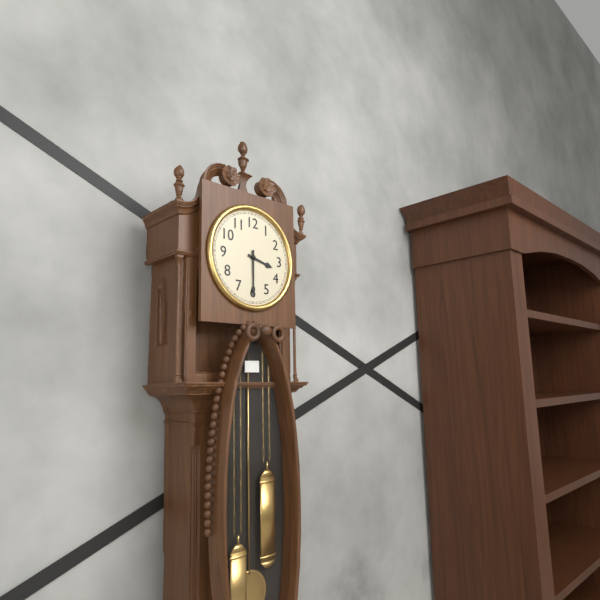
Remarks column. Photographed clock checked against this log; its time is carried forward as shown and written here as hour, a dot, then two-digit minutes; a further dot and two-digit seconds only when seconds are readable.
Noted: 3.30
